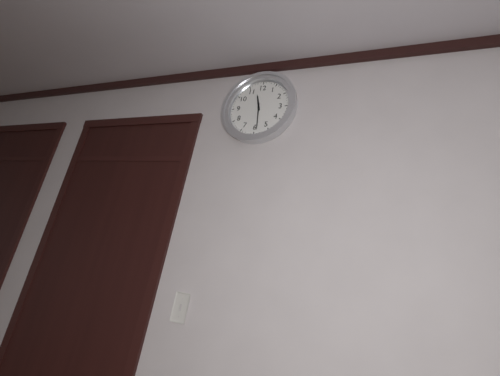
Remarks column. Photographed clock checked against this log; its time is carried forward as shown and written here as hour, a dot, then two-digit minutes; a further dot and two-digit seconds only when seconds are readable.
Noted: 11.29
